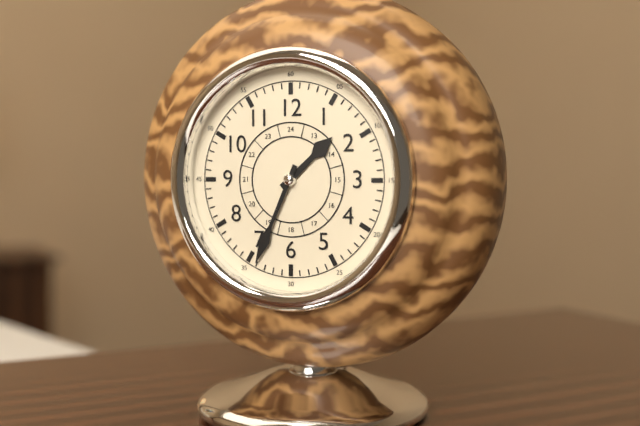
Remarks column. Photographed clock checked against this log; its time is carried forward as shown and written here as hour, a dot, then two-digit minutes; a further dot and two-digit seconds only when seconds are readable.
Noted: 1.34
